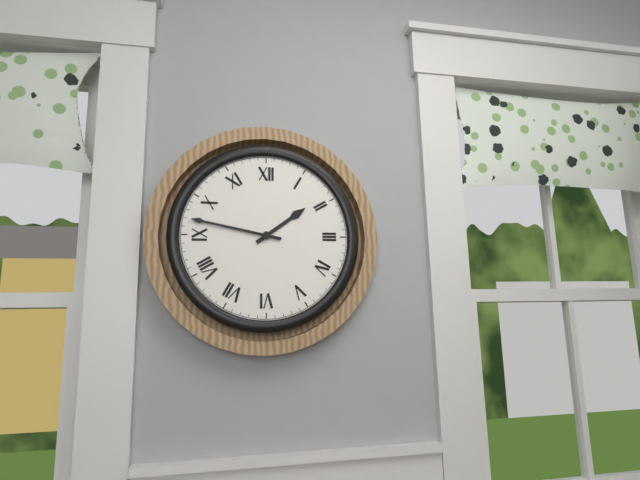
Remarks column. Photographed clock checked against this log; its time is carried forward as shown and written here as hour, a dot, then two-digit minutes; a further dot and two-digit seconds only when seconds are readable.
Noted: 1.47
